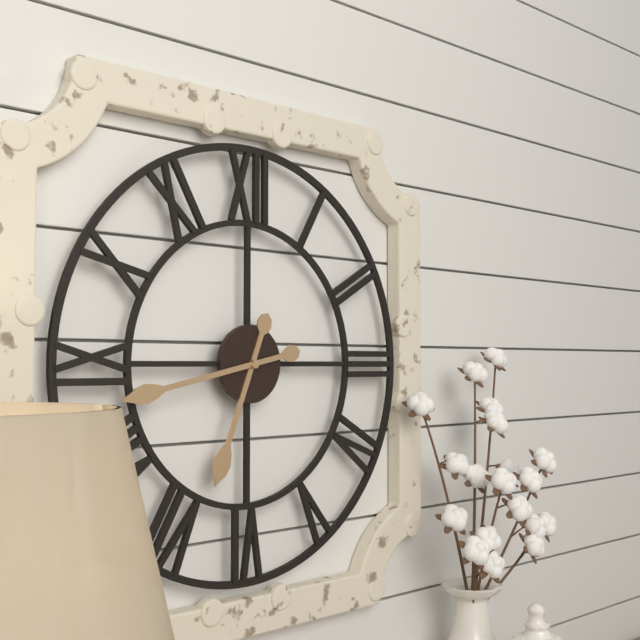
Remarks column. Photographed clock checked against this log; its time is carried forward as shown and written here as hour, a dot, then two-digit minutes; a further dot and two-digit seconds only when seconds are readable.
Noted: 6.43
